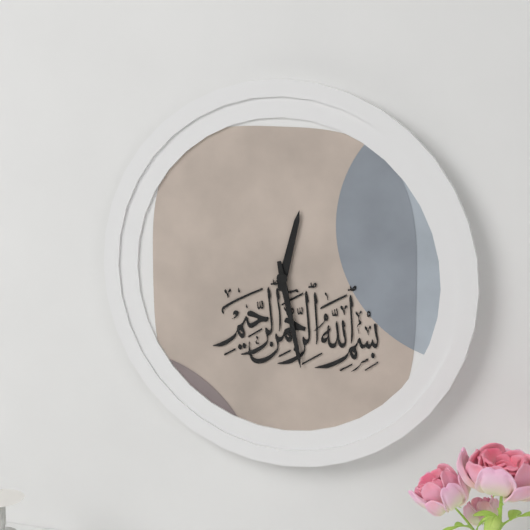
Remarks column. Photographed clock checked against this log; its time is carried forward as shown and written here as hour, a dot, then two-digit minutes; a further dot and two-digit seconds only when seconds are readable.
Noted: 12.28
